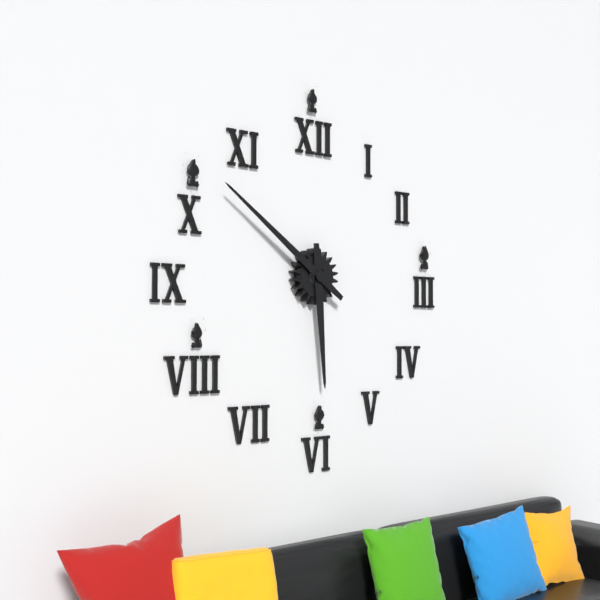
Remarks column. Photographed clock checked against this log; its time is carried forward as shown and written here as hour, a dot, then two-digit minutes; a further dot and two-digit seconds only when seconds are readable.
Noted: 5.51
